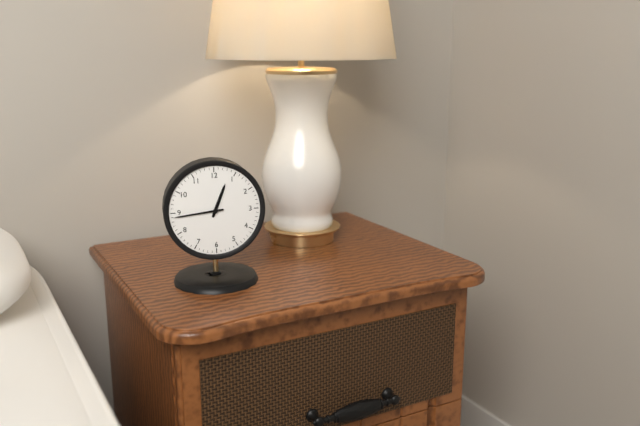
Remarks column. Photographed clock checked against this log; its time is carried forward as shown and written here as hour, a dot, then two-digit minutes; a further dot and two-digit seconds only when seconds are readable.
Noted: 12.44
